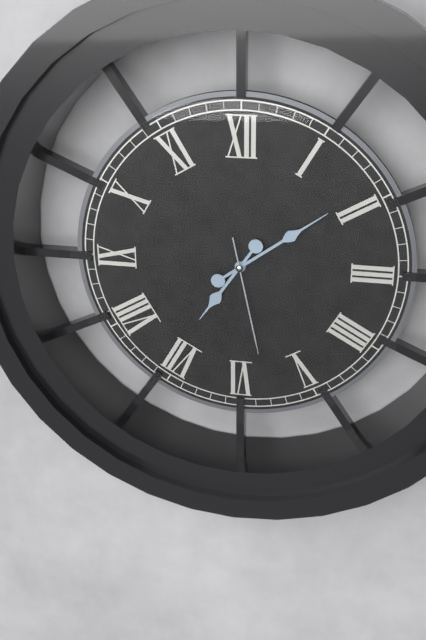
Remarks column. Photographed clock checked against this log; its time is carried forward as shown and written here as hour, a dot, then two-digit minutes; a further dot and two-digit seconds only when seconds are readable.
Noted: 7.09.28
